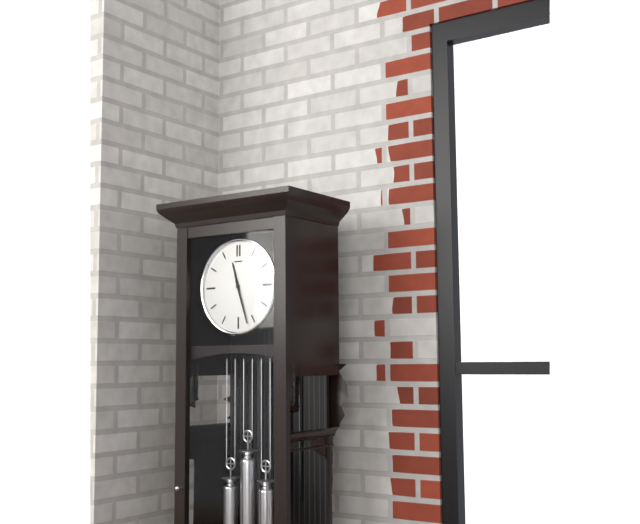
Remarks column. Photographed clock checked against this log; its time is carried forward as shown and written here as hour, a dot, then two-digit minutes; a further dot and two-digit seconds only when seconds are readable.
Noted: 11.27
